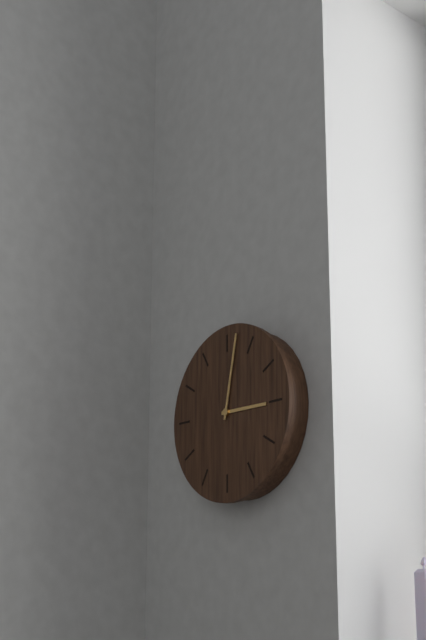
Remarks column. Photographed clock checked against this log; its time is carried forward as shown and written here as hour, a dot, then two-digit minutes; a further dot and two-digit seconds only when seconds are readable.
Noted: 3.02
